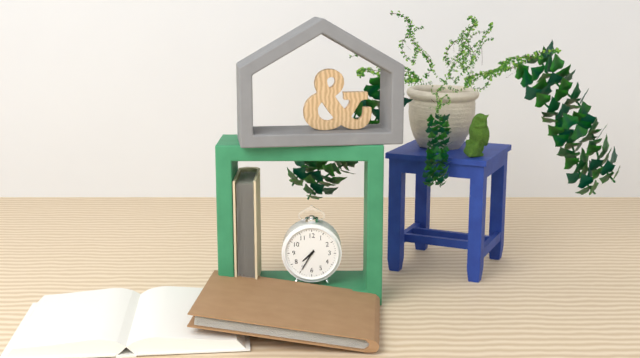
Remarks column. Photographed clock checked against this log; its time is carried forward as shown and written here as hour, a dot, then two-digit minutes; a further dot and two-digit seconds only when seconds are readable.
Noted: 7.35
